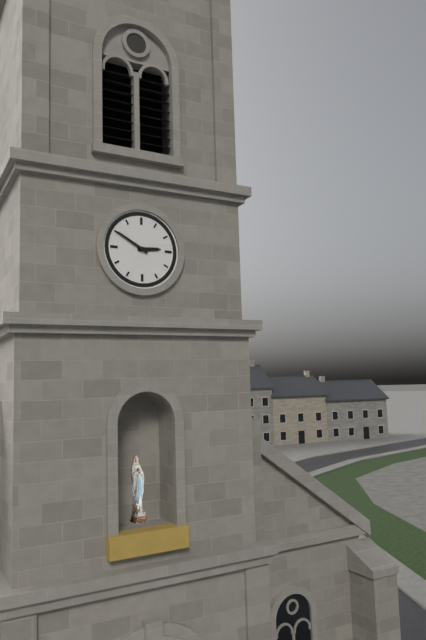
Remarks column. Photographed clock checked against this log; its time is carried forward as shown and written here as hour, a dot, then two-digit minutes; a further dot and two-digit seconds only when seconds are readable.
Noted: 2.50
